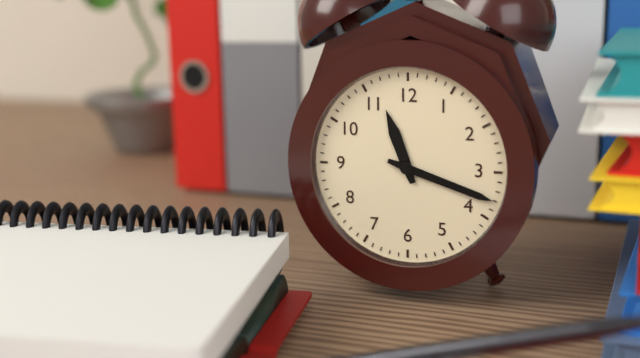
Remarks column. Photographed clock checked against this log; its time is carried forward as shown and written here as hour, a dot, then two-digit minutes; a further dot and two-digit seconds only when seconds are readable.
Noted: 11.18
